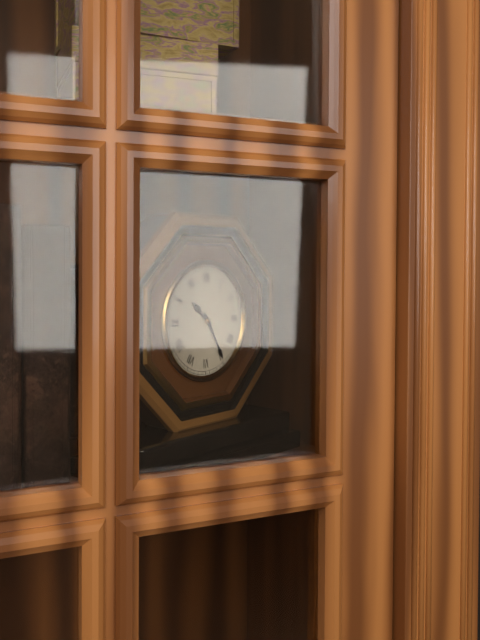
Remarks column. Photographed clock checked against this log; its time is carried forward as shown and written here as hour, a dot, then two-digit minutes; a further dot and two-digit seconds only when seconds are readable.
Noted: 10.25
